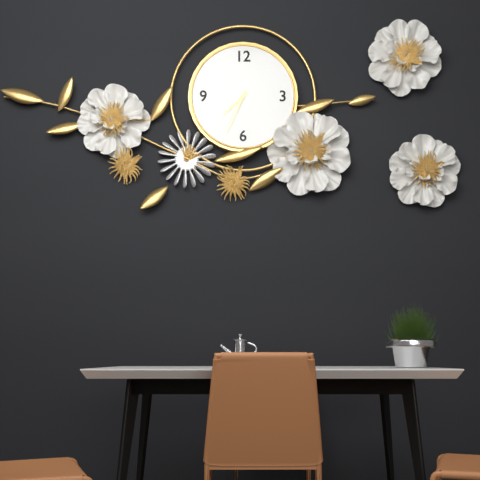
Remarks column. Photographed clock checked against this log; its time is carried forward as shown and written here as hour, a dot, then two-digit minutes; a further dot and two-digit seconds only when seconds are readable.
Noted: 7.34
